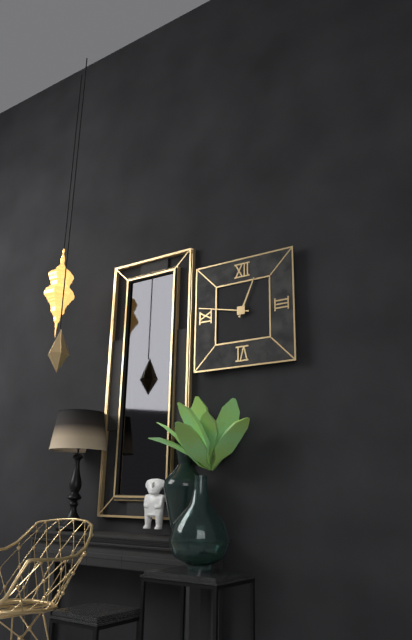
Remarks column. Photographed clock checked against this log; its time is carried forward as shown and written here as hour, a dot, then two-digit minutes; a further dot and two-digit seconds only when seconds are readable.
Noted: 12.47
